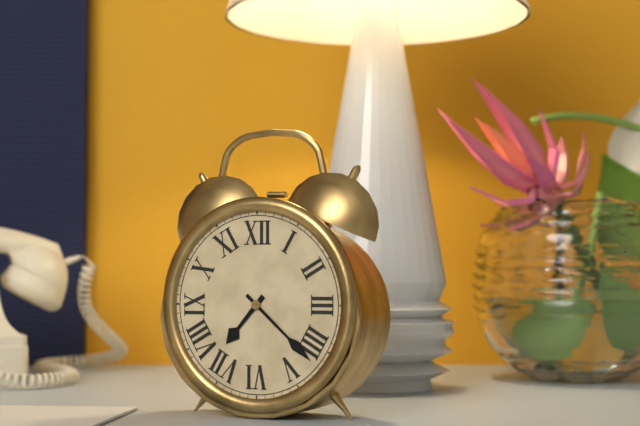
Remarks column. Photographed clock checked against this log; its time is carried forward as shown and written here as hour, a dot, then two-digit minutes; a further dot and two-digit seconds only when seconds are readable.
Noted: 7.22
